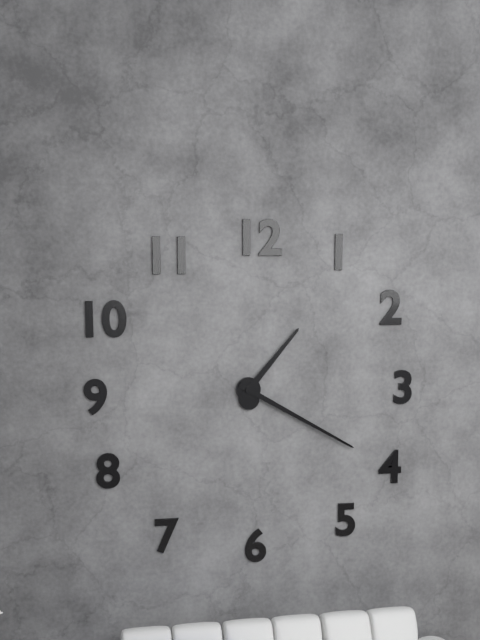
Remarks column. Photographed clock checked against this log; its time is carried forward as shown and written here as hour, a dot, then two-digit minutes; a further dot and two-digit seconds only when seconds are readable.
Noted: 1.20
